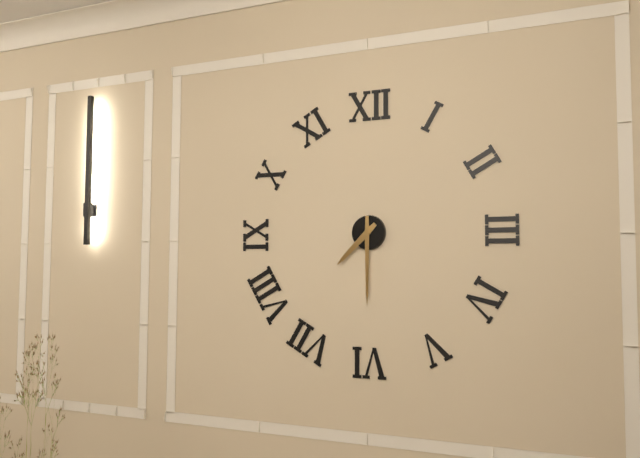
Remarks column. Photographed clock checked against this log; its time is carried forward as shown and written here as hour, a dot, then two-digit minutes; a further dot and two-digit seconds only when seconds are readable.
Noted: 7.30
